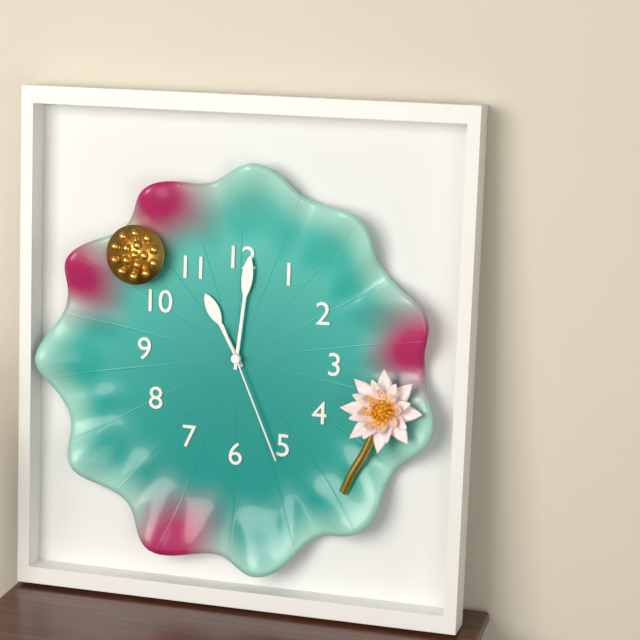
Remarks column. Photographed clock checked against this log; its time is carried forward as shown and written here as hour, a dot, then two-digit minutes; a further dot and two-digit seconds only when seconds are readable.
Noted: 11.01.26
